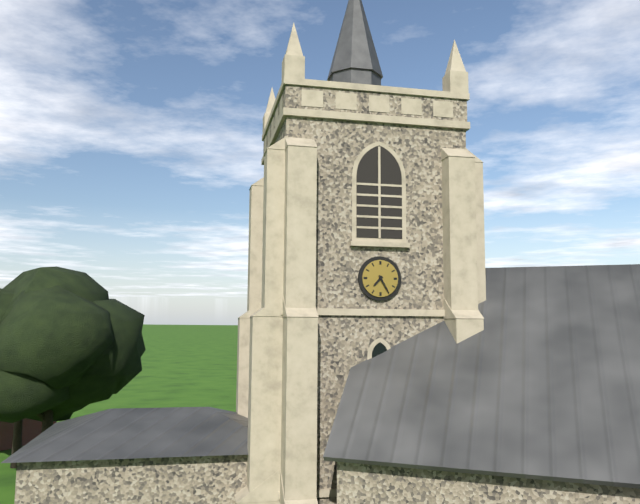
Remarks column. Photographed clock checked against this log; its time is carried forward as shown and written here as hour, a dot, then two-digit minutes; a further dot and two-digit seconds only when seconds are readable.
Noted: 7.25
